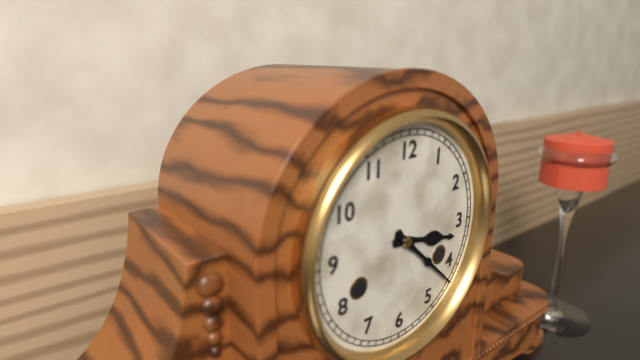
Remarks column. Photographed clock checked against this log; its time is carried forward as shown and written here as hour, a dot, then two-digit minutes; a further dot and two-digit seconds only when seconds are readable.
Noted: 3.22
